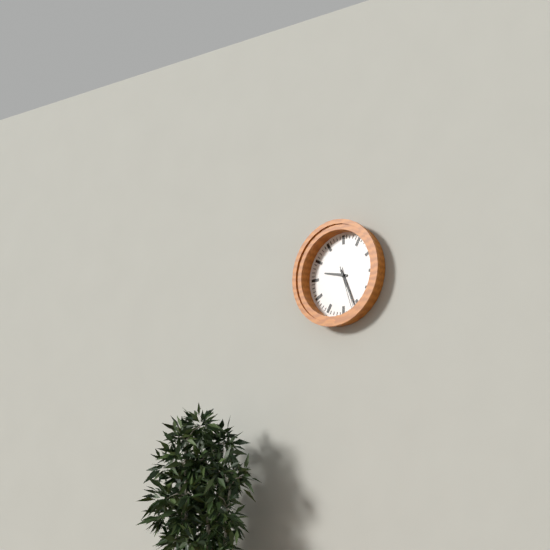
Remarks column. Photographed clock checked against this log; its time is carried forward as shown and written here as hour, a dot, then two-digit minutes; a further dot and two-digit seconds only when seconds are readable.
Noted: 9.26
